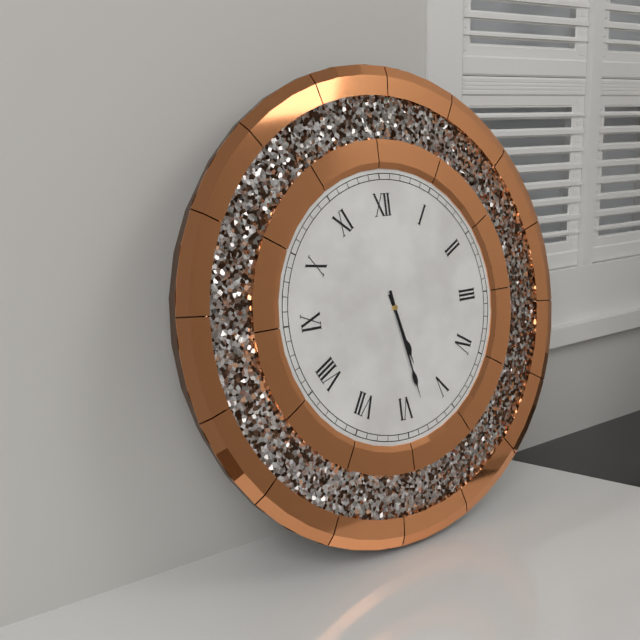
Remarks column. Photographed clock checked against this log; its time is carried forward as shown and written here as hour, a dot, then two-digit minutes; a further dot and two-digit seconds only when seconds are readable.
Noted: 5.28
